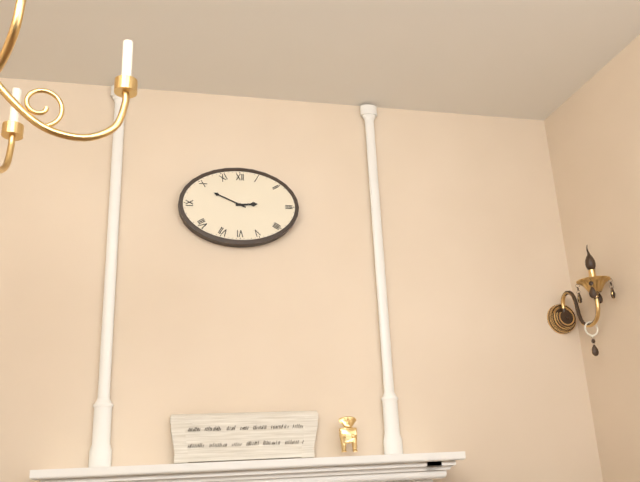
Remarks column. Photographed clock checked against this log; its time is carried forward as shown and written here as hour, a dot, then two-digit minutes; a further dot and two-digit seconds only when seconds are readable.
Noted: 2.49
